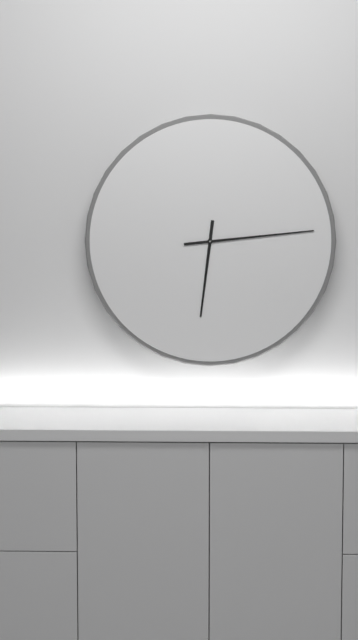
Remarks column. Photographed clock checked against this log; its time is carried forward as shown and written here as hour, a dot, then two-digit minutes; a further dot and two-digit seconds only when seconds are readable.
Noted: 6.14
